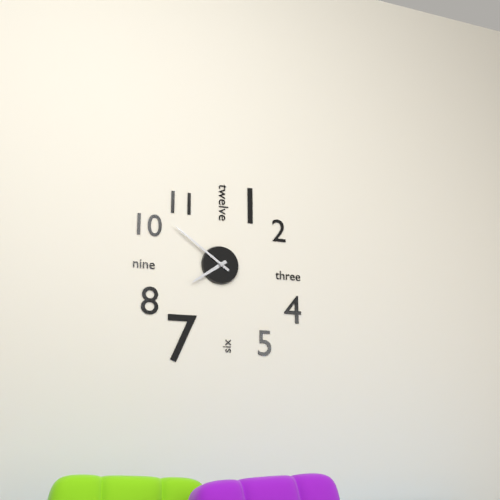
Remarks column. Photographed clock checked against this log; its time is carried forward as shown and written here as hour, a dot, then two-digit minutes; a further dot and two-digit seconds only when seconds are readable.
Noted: 7.51
